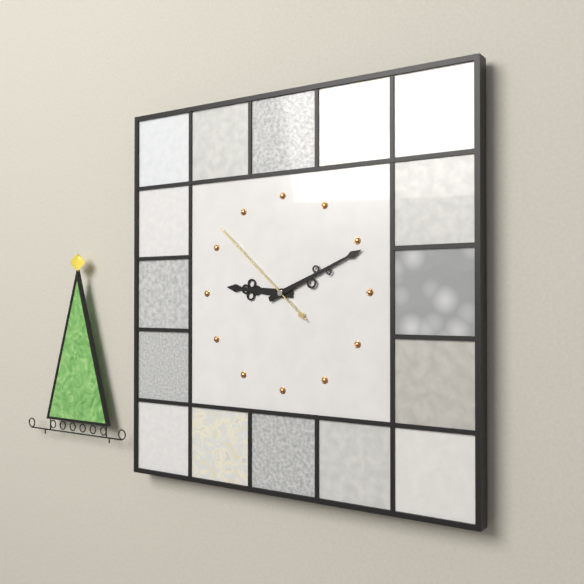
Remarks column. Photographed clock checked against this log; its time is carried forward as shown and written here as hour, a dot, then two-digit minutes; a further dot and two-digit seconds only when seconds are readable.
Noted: 9.11.52
